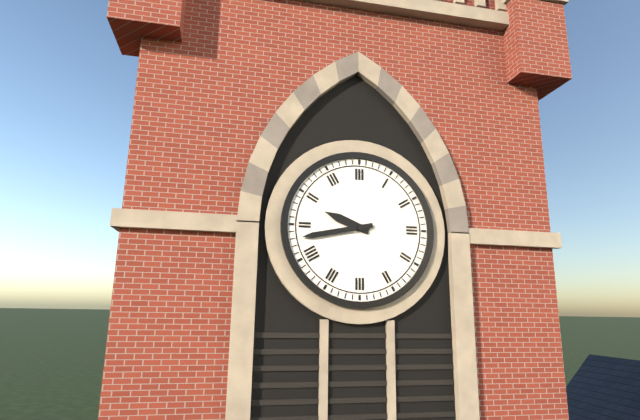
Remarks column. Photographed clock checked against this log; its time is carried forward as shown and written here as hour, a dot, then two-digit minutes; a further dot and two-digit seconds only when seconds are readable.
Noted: 9.43
